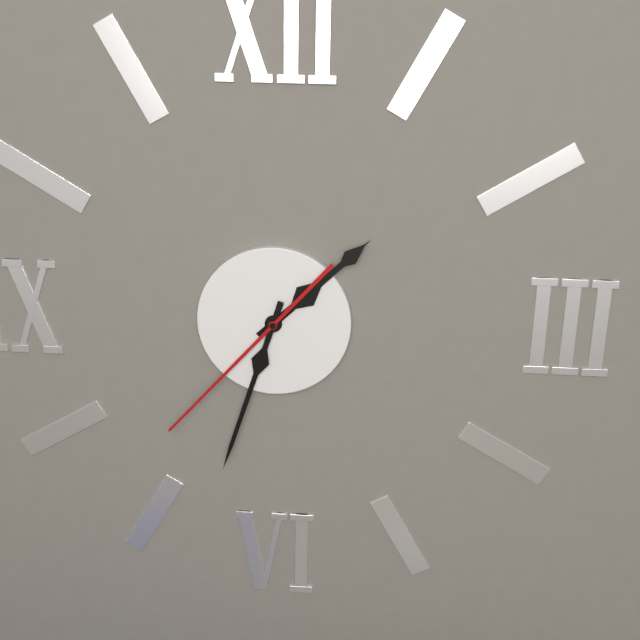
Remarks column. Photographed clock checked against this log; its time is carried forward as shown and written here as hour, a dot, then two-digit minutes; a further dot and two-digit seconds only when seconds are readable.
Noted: 1.33.37
